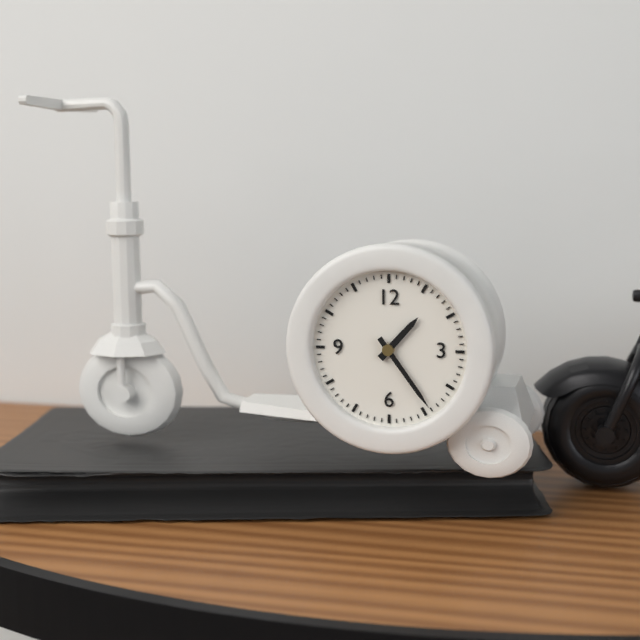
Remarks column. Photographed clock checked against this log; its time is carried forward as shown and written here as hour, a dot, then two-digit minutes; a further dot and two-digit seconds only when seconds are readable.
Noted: 1.24
